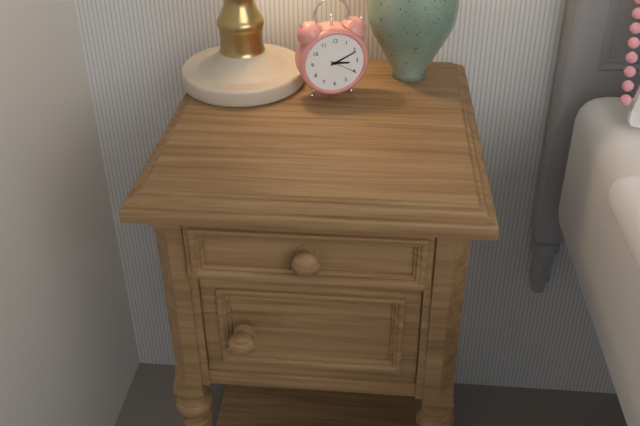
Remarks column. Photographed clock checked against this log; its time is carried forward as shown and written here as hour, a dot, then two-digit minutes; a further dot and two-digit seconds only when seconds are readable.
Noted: 3.11
